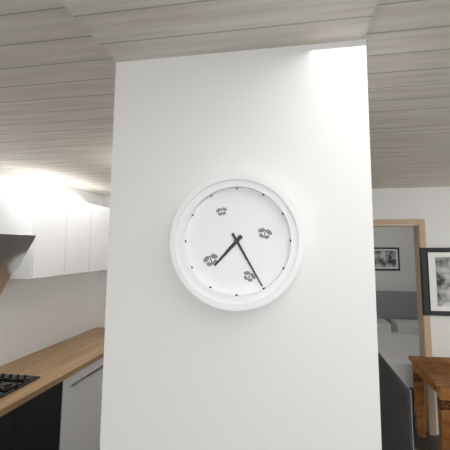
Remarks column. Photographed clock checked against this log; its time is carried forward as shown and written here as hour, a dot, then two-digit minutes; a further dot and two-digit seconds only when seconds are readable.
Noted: 7.25
